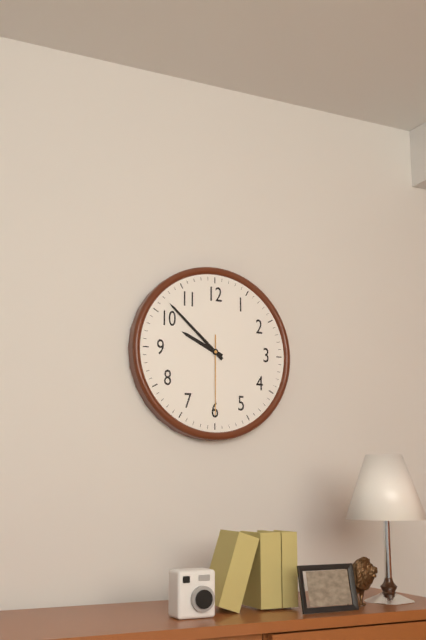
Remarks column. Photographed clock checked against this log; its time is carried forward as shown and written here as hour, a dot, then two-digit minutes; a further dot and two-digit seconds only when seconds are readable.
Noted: 9.52.30
